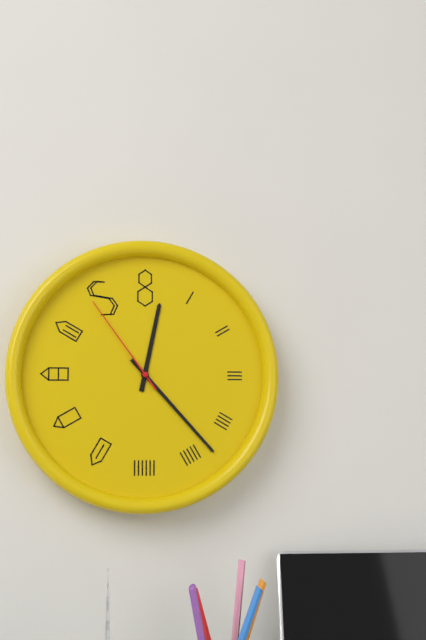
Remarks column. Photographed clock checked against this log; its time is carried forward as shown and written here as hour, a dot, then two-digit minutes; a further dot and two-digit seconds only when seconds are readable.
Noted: 12.23.54
